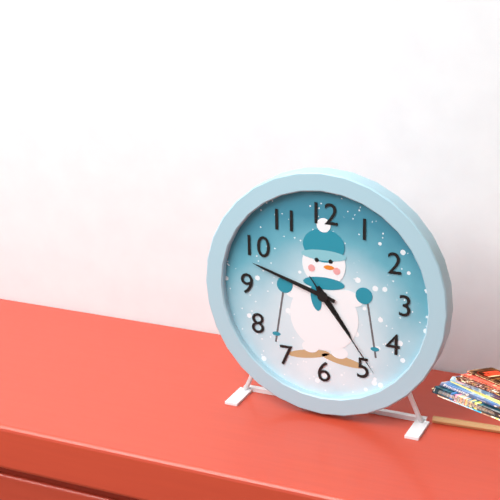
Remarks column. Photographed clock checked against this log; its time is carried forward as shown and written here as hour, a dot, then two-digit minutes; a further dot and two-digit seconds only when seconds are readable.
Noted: 4.48.24
